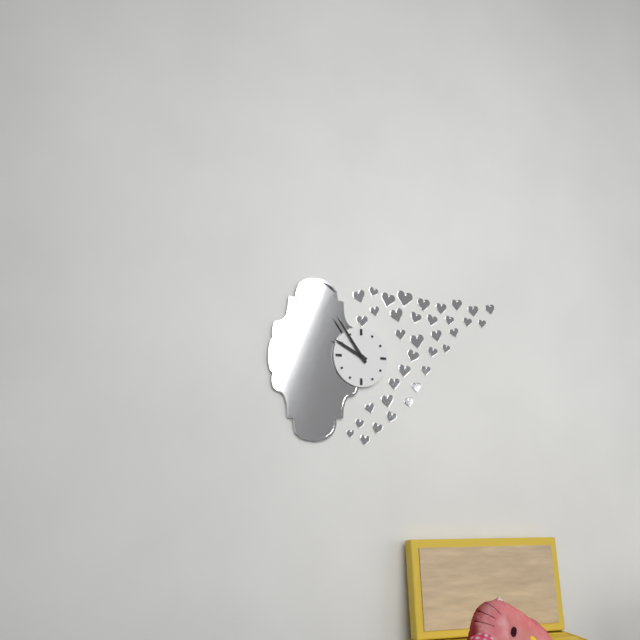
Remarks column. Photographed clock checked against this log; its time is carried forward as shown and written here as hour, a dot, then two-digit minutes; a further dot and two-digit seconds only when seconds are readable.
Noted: 9.54
